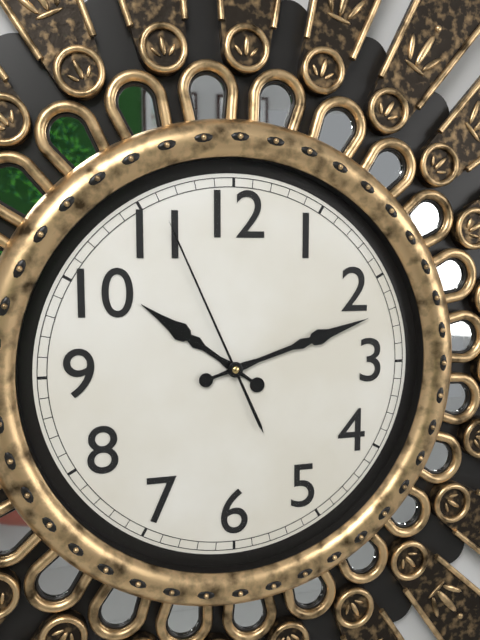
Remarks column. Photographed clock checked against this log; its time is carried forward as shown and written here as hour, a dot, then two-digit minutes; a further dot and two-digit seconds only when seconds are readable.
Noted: 10.12.56
